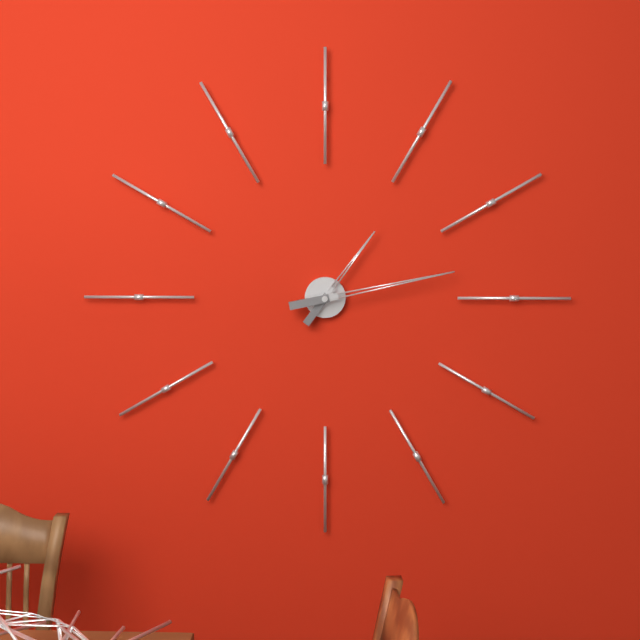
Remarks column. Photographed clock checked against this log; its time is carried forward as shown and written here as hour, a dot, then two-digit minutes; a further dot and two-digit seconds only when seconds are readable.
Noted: 1.13
